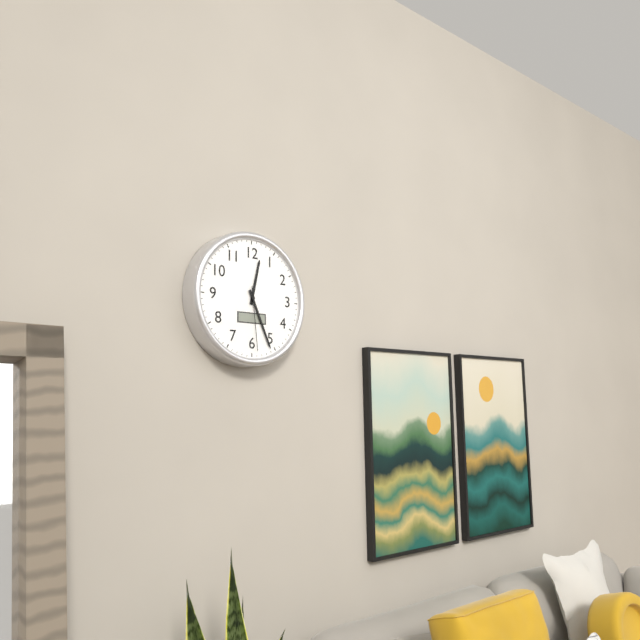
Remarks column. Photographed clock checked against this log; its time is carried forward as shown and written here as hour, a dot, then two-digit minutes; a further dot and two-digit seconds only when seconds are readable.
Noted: 12.26.29
